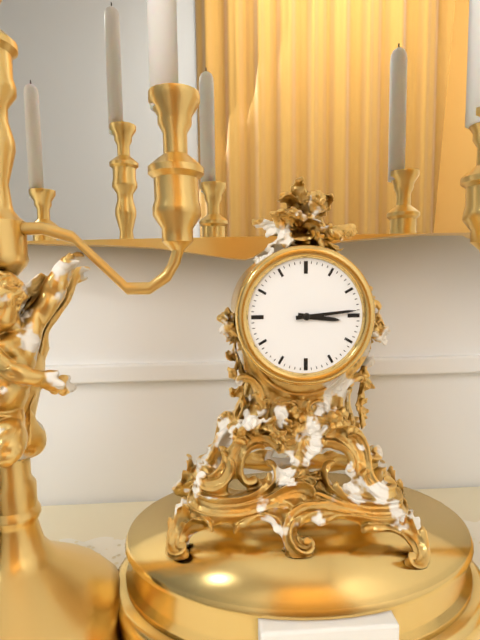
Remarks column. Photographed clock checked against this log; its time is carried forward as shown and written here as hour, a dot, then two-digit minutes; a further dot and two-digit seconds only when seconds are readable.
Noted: 3.14
